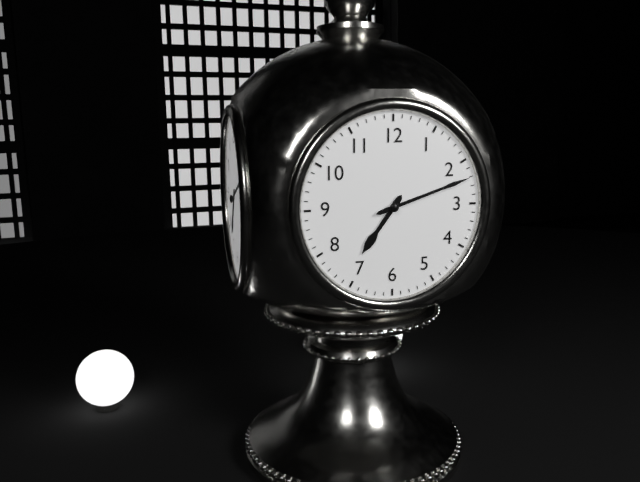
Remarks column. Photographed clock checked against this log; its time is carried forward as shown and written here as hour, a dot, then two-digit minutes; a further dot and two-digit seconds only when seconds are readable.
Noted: 7.12
